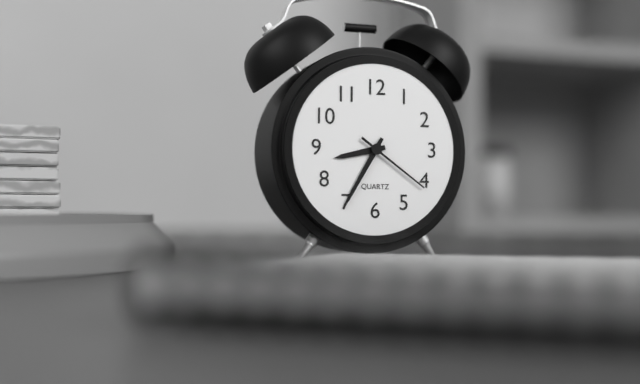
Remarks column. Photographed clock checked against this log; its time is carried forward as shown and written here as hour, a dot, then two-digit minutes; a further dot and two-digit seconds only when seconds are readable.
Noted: 8.35.21
